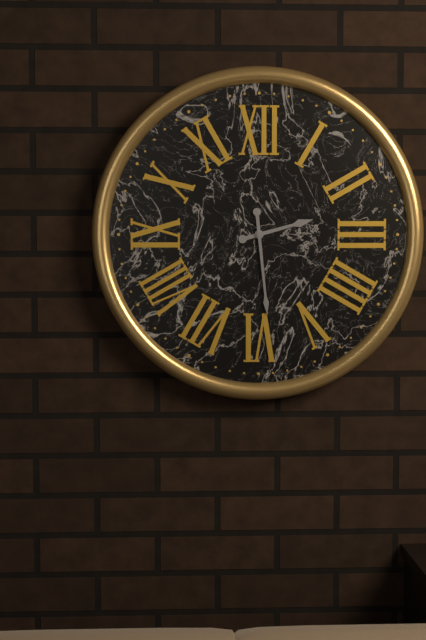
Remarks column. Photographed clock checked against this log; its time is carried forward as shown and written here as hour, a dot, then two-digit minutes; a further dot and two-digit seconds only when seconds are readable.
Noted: 2.29
